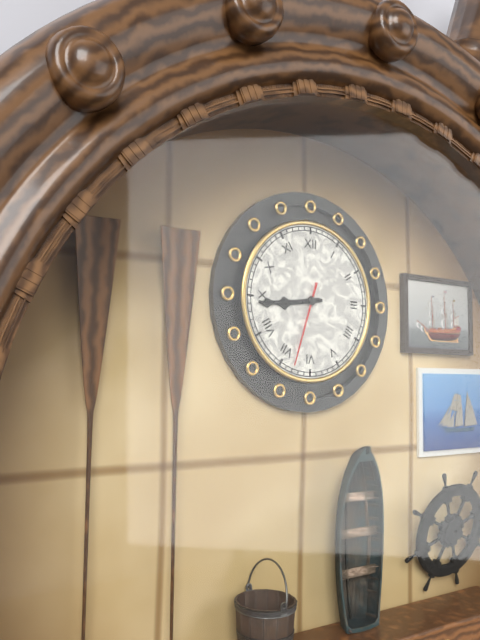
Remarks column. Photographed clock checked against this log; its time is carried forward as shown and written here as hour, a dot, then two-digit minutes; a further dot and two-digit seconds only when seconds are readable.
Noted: 8.44.33
